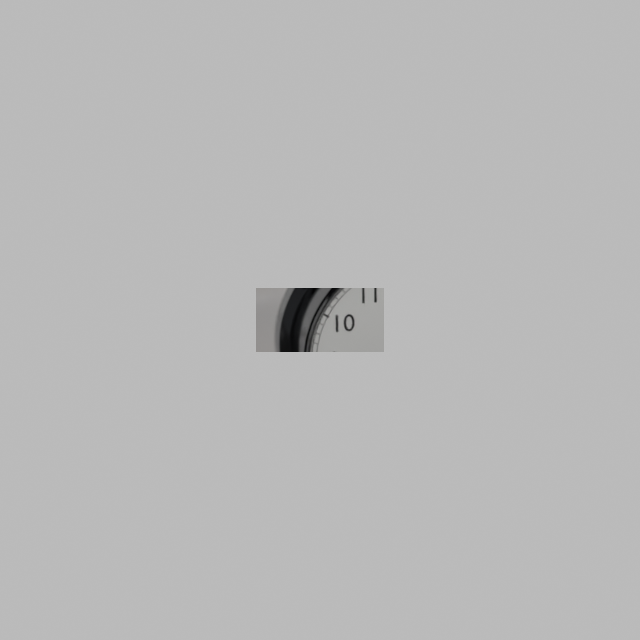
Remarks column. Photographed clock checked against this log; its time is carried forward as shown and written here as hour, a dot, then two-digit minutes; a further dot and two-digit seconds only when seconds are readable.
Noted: 11.41.19
